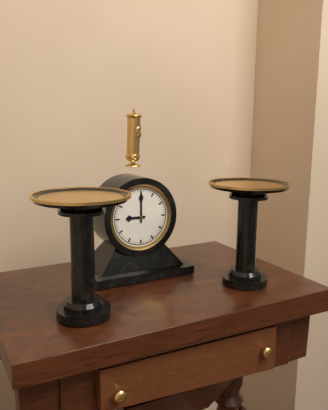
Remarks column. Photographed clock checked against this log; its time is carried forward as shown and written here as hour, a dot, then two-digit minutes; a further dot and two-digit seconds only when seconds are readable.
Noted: 9.00
